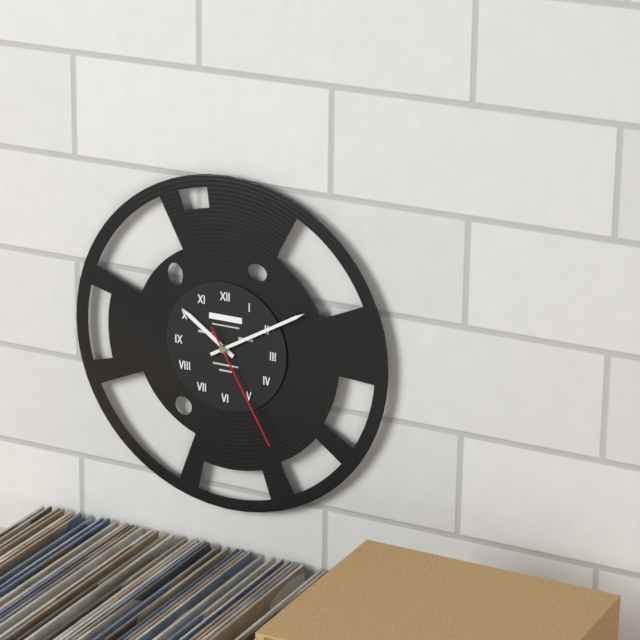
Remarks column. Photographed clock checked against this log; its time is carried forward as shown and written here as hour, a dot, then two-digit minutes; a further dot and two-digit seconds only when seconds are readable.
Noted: 10.10.25
